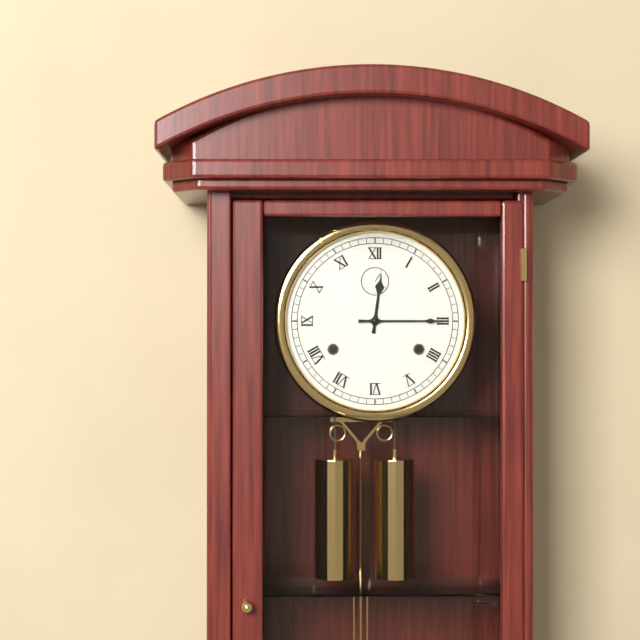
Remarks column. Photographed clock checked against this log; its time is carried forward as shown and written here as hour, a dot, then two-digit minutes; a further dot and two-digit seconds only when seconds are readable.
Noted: 12.15
